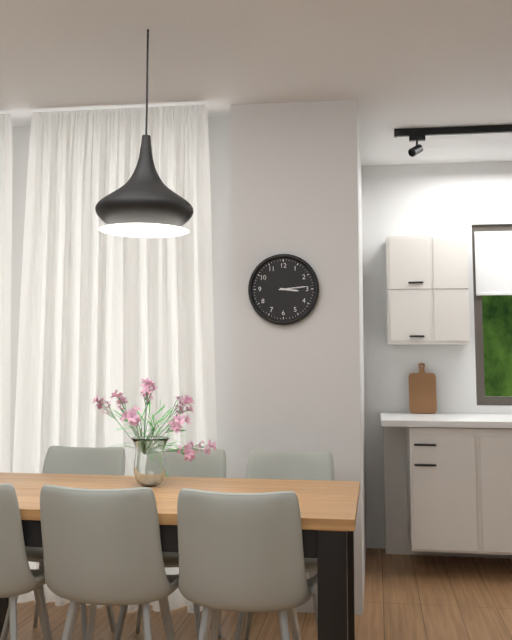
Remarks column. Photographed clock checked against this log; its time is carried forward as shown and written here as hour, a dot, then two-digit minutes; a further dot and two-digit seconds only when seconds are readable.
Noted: 3.14
